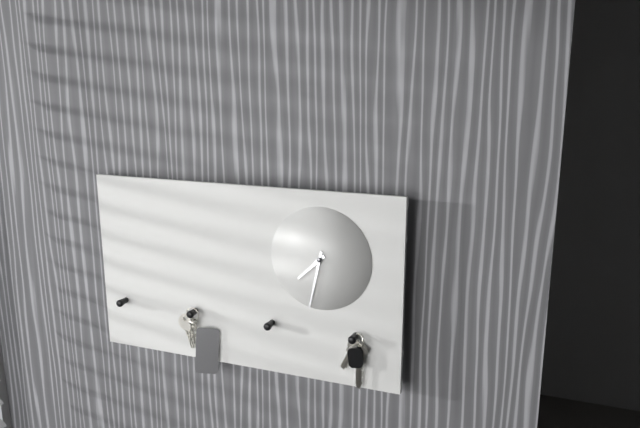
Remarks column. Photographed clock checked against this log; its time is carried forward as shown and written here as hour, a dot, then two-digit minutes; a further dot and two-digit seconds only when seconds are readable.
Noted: 7.32
